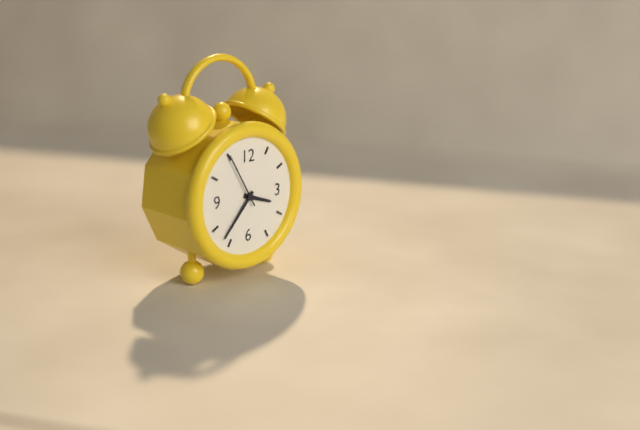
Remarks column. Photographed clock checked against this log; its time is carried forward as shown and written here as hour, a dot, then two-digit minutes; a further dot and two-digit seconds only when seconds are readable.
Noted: 3.37.55
